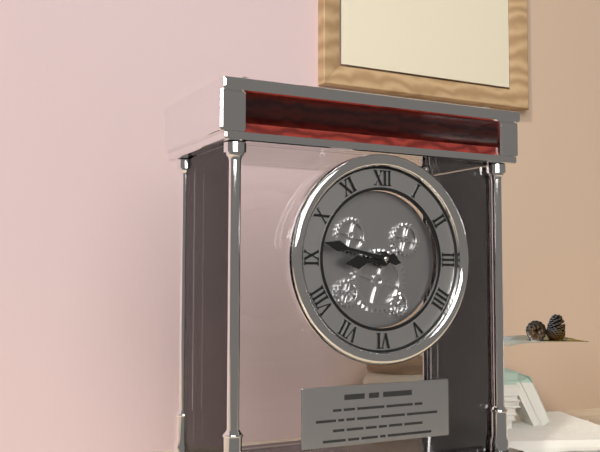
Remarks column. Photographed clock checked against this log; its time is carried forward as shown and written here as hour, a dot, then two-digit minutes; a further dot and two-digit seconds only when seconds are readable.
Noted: 8.47
